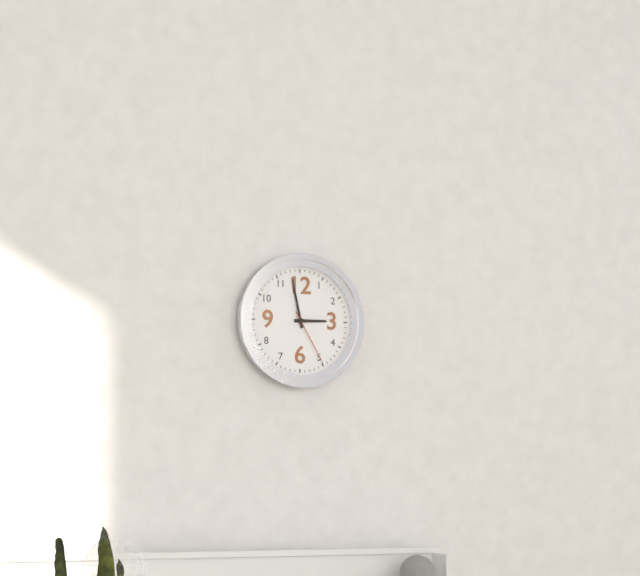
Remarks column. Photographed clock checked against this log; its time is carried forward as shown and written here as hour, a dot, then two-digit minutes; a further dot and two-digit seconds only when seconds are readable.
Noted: 2.58.25
